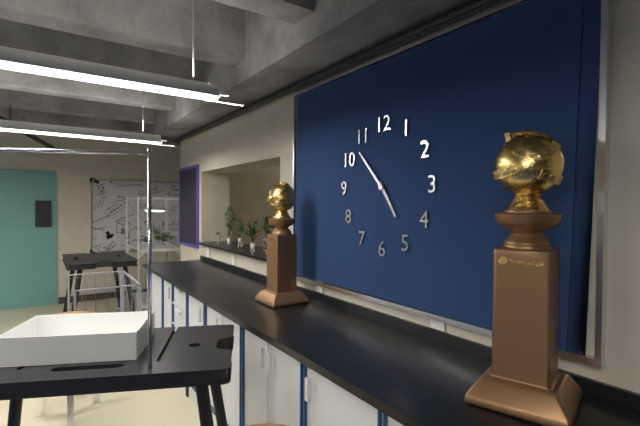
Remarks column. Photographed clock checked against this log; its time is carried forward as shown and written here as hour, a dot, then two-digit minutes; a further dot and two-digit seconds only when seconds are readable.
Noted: 4.53
